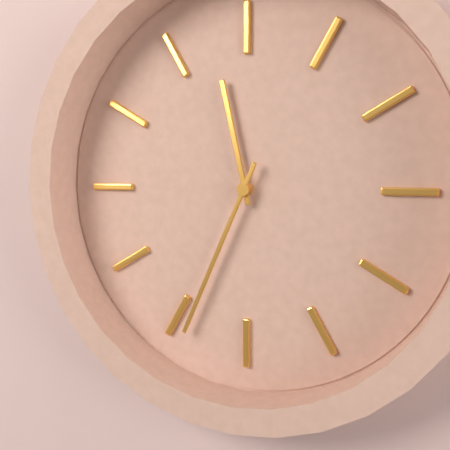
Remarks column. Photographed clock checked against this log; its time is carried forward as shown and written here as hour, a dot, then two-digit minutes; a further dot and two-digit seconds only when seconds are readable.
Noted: 11.34
